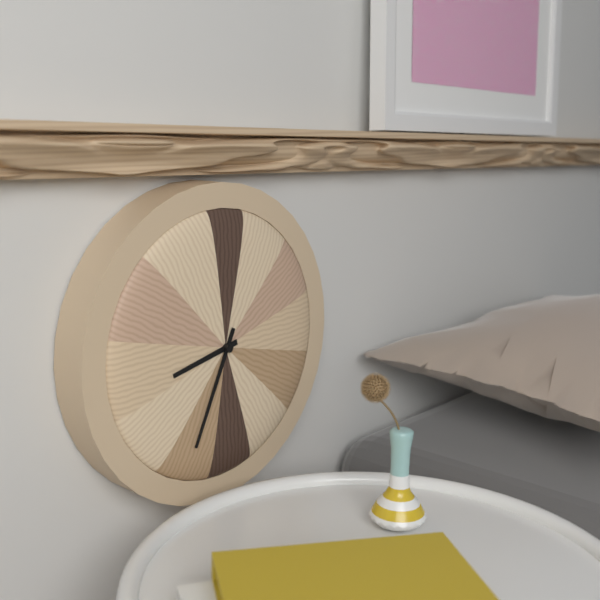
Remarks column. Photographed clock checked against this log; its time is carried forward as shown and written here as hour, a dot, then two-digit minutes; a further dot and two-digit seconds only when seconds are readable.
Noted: 8.34
